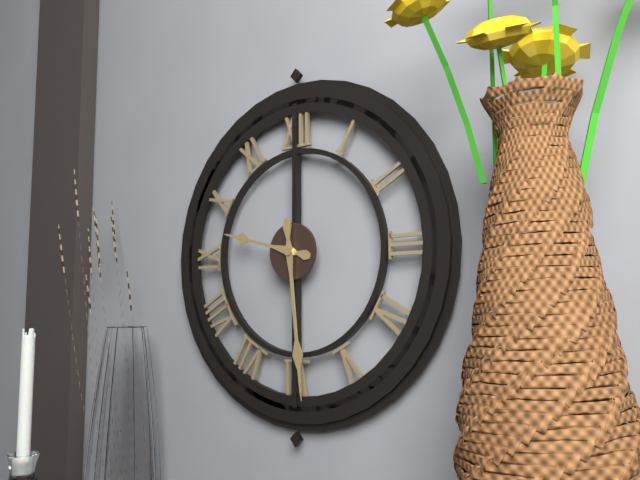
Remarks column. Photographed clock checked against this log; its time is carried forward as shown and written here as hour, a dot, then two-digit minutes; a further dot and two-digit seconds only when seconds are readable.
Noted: 9.29
